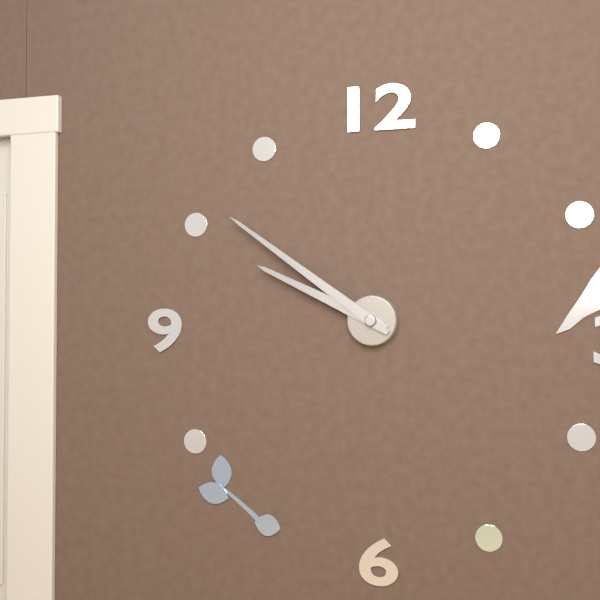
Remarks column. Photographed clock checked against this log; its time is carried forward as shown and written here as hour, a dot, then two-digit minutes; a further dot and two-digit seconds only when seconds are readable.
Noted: 9.51
